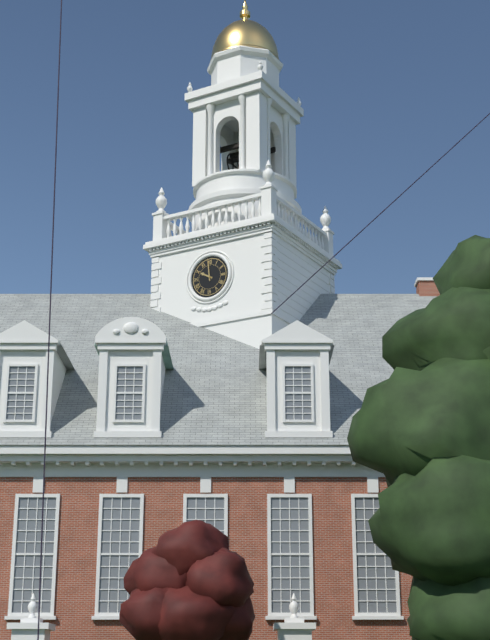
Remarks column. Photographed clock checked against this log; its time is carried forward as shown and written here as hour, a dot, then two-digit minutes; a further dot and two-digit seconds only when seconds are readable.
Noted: 9.59
